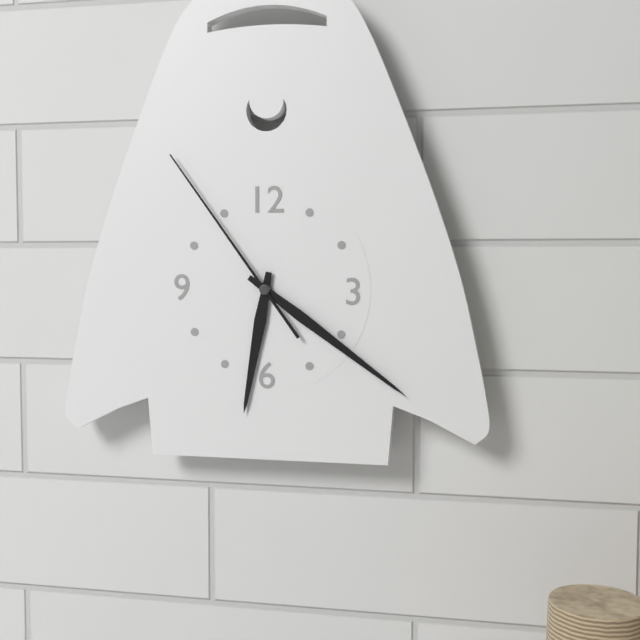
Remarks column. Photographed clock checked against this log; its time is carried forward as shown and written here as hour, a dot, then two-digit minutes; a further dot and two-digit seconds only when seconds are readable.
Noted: 6.21.54
